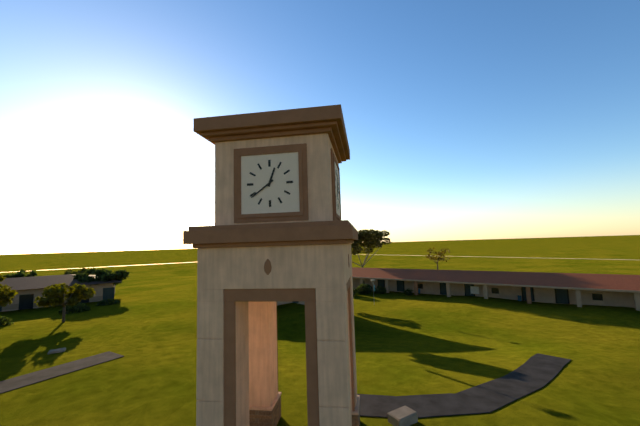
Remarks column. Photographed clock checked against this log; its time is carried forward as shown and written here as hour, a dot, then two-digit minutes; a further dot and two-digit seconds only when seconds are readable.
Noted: 12.39
